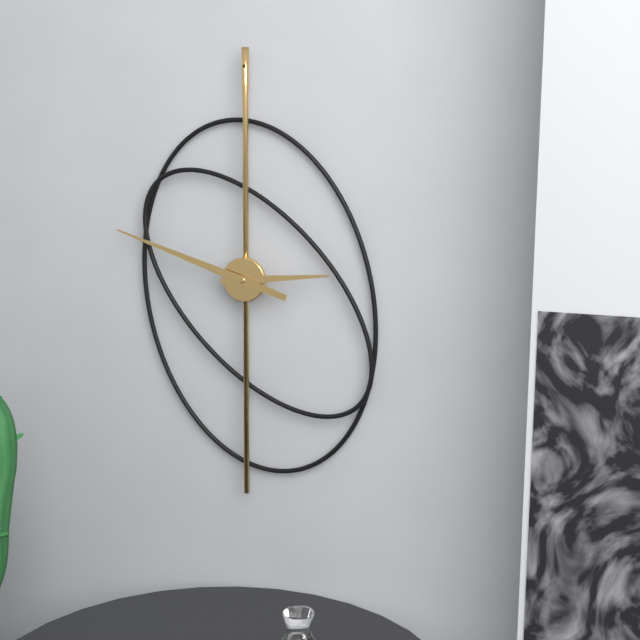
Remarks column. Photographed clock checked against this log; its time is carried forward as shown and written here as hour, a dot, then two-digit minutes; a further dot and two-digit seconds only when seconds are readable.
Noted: 2.48
